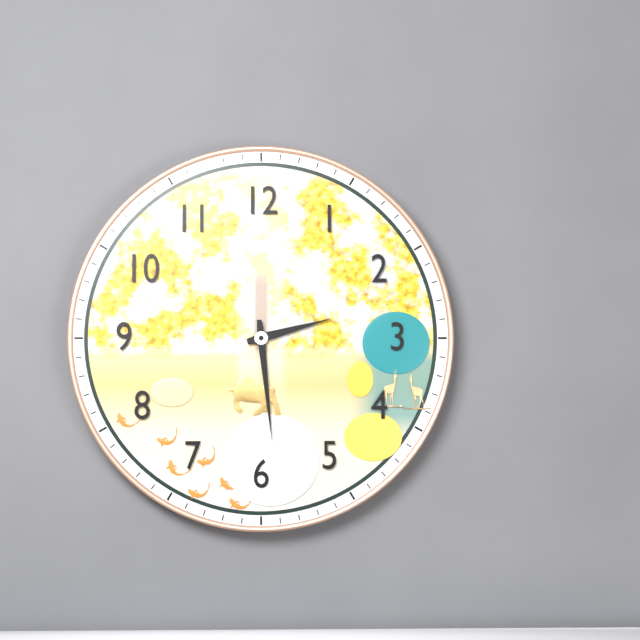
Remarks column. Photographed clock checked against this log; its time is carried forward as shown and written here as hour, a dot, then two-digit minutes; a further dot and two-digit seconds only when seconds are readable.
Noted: 2.29
